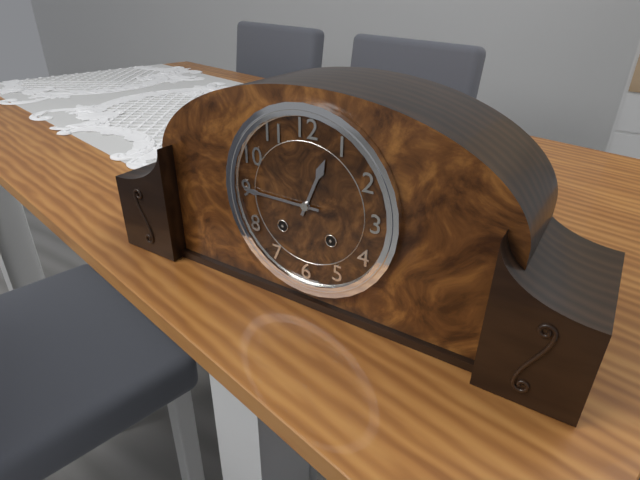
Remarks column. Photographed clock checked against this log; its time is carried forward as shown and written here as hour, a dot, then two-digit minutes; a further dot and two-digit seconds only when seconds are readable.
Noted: 12.45
